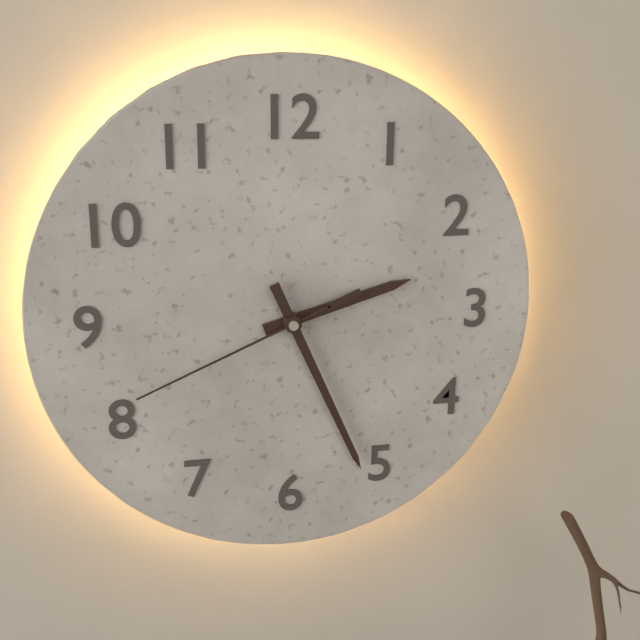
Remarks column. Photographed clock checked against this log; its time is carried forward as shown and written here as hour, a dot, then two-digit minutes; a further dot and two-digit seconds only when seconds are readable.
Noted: 2.26.41
